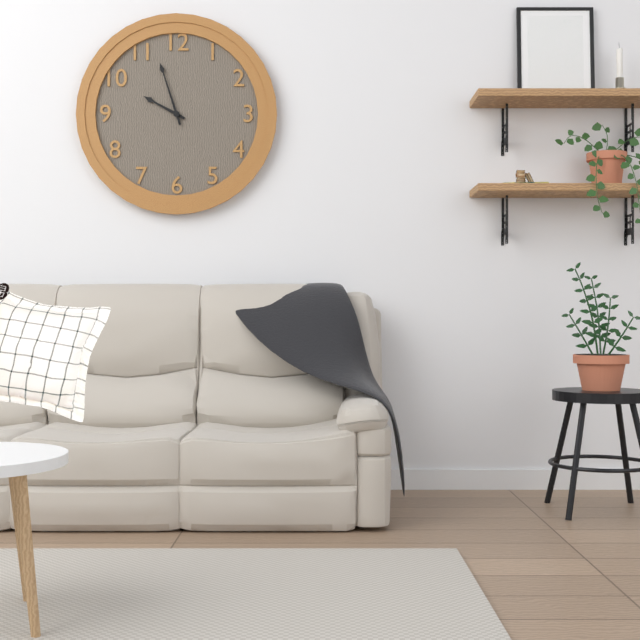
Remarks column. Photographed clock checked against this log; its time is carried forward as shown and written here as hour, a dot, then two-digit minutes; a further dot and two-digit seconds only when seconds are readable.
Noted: 9.57
